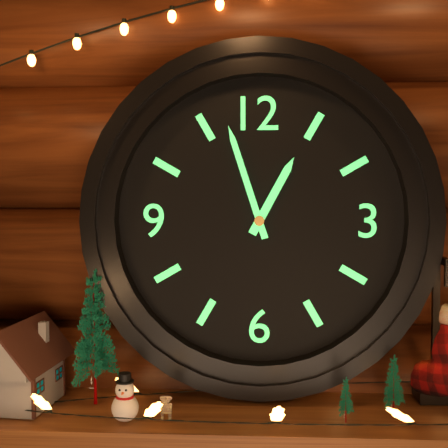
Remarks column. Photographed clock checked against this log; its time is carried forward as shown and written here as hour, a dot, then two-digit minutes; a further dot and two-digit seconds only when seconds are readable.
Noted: 12.57
